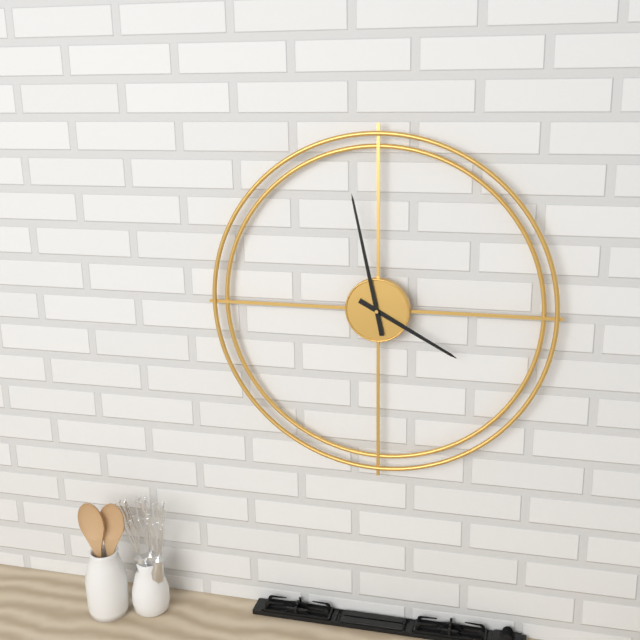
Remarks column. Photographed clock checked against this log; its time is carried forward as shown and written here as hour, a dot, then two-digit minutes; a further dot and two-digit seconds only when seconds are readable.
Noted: 3.58
